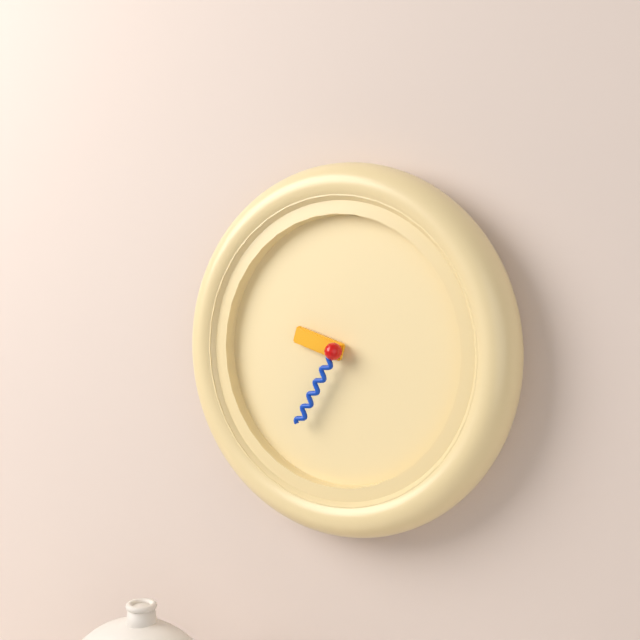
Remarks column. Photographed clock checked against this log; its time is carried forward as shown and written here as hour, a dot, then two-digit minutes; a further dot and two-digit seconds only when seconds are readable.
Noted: 9.35
